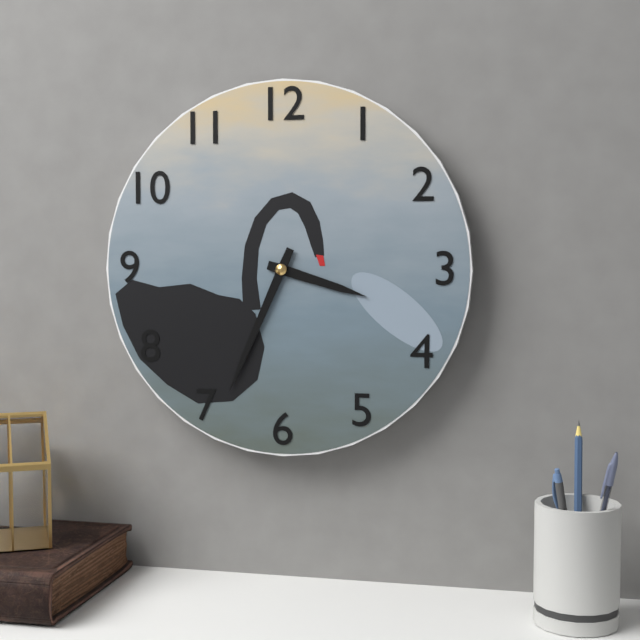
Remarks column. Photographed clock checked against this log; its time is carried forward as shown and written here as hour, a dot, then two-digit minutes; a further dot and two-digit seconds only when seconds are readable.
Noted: 3.34
